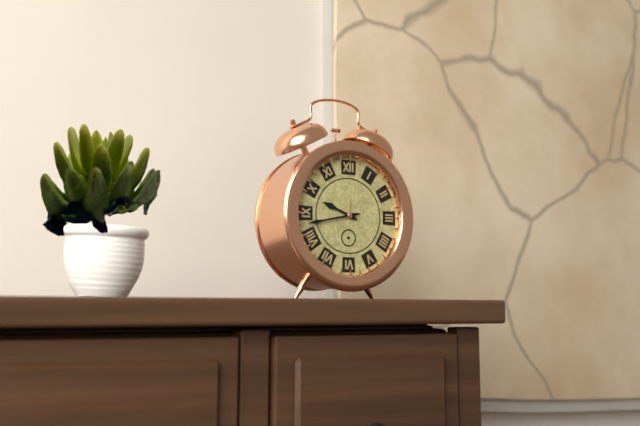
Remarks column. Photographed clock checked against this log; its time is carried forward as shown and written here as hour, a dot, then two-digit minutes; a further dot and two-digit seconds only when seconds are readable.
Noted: 9.43
